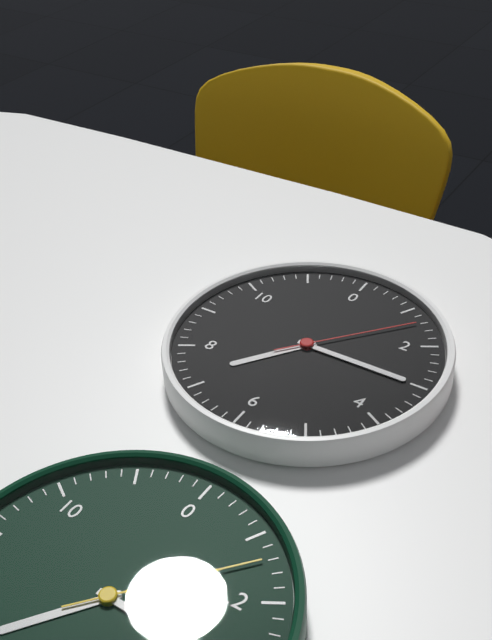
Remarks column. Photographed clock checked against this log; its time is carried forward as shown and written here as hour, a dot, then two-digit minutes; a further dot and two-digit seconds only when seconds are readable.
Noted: 7.15.07
